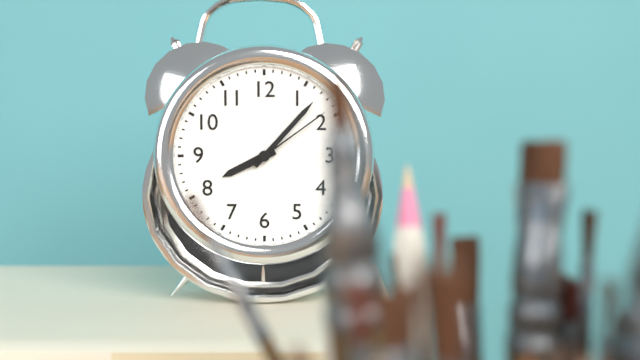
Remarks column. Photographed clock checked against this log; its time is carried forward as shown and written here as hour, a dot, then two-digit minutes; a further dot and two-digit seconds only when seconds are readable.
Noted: 8.07.09
